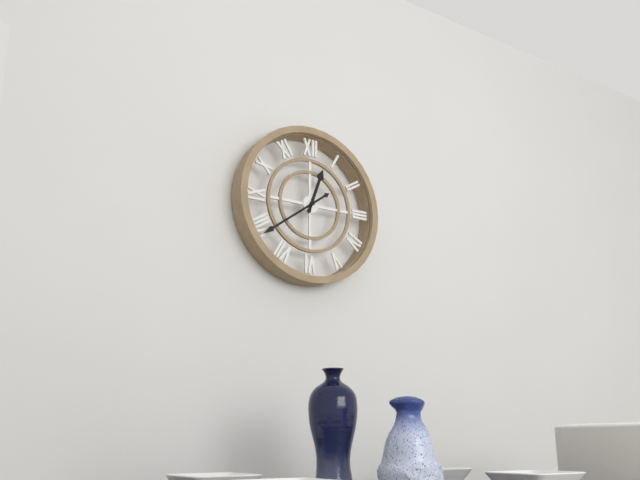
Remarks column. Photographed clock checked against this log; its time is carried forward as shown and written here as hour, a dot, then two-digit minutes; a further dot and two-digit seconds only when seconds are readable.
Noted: 12.39
